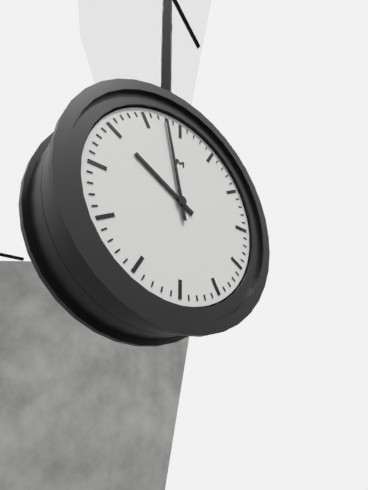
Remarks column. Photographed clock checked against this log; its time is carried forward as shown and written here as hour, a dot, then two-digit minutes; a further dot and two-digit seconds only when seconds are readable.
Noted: 9.58
